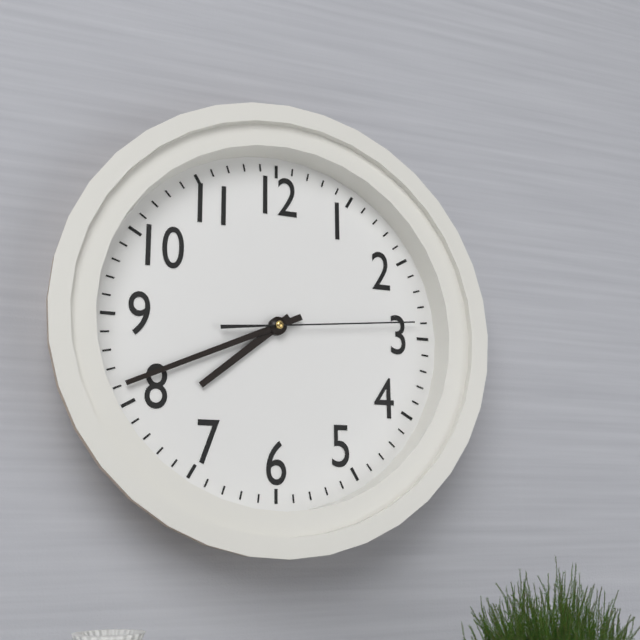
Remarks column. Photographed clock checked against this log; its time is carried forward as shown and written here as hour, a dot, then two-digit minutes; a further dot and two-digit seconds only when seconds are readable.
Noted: 7.41.14
